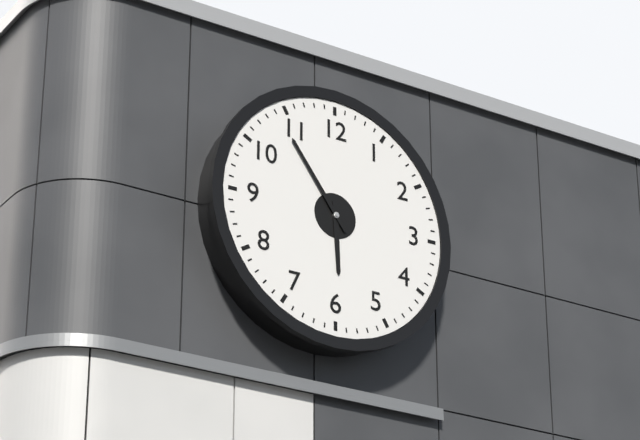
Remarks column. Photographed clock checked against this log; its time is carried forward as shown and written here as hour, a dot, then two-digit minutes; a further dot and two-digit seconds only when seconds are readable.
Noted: 5.54
